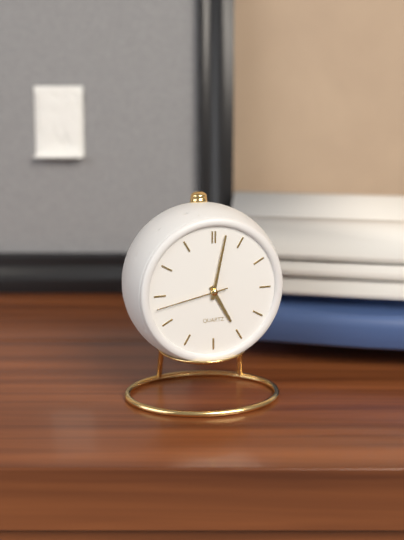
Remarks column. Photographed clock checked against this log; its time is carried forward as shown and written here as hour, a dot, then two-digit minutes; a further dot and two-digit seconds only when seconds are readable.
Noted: 5.02.43
